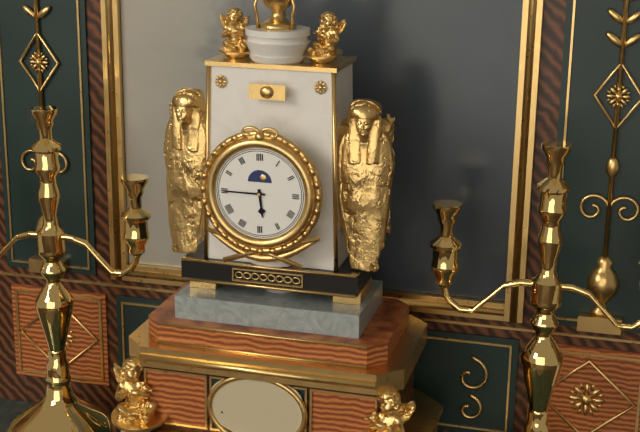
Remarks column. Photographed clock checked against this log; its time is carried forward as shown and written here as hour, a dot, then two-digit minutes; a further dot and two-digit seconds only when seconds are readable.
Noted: 5.45
